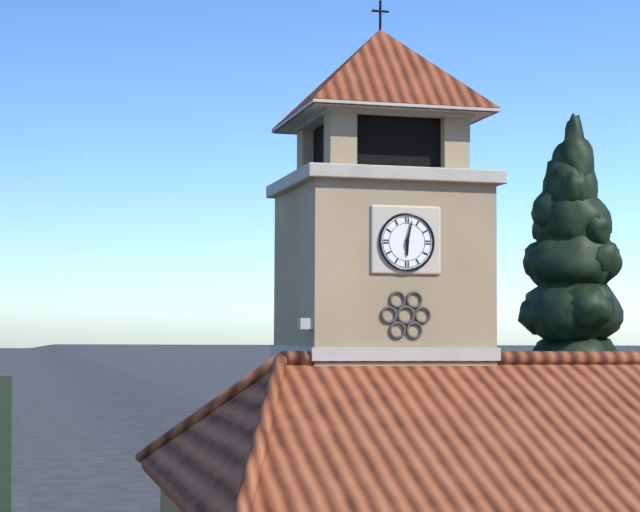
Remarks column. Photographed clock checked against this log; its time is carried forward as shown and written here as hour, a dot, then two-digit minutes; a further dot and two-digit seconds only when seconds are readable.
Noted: 6.02
